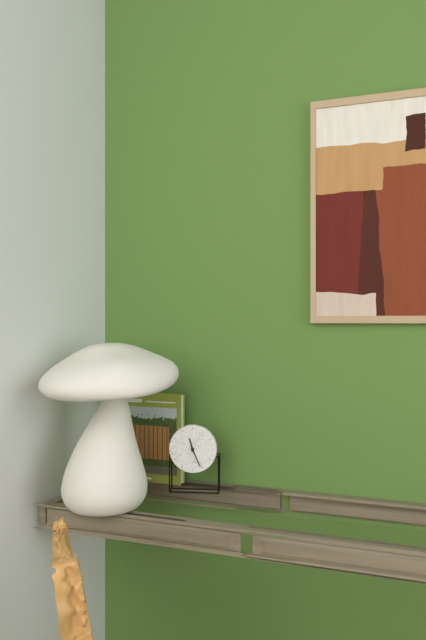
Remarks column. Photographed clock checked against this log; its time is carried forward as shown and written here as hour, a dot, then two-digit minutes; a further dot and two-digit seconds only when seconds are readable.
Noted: 11.26
